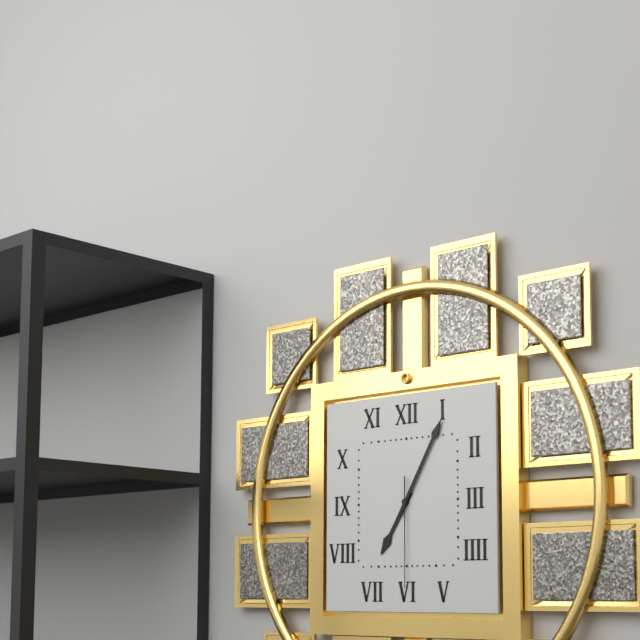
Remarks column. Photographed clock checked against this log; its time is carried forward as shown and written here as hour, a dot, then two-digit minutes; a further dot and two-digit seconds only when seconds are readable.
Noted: 7.05.30
